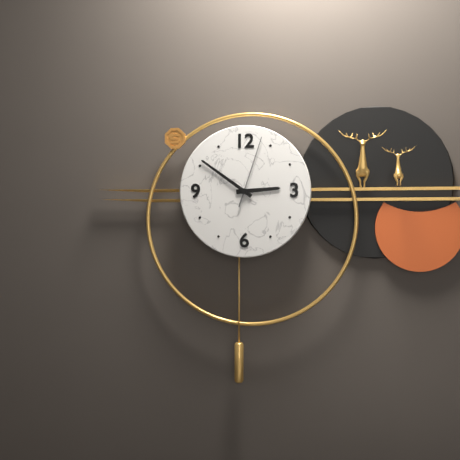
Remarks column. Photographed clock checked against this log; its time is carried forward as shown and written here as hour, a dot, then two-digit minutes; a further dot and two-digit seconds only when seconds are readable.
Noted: 2.51.03
